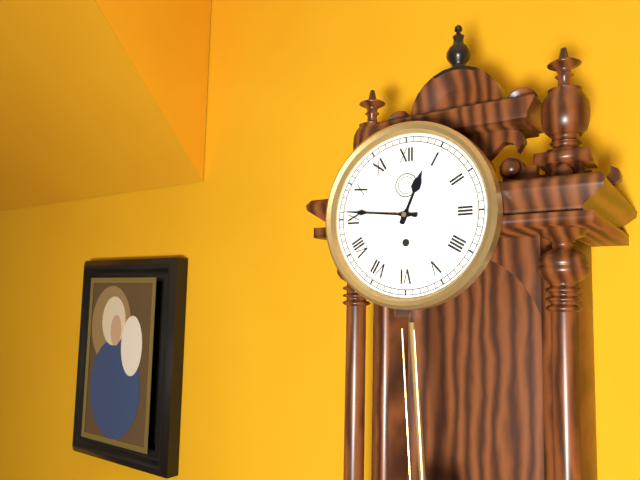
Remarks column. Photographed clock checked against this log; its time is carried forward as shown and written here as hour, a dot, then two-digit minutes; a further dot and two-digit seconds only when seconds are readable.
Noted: 12.46
